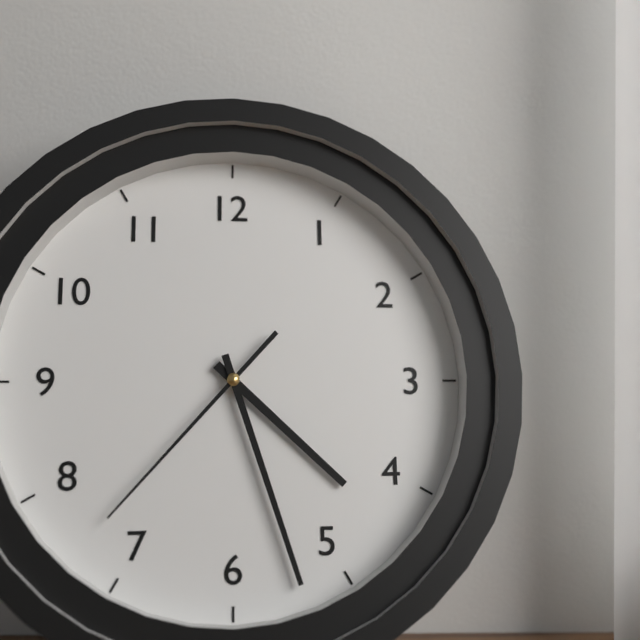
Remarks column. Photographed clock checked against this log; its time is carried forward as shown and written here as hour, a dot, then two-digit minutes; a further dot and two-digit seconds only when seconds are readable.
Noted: 4.27.37
